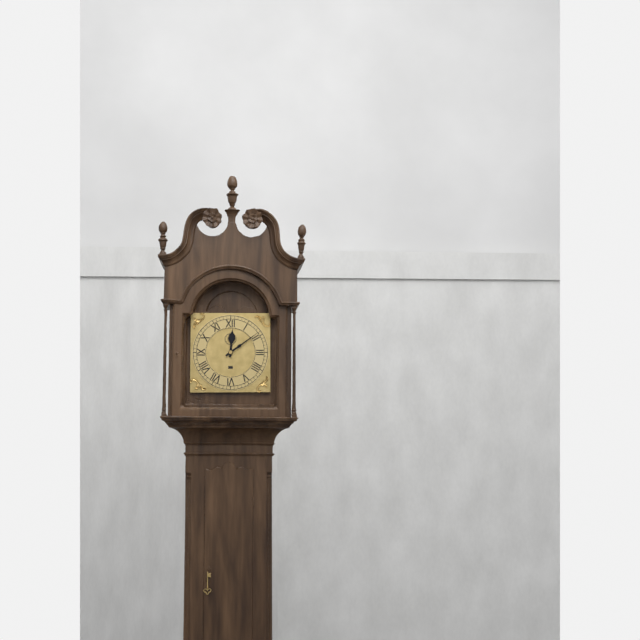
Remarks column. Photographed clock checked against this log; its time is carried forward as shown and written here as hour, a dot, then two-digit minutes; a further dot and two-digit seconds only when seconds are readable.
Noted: 12.09
